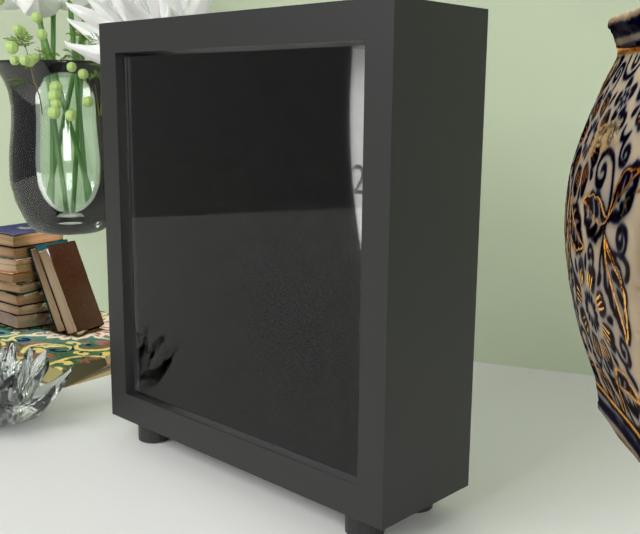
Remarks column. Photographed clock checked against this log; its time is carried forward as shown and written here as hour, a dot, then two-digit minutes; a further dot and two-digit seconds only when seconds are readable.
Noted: 12.59
